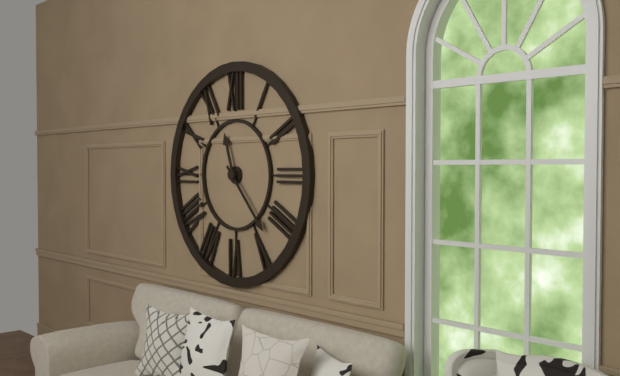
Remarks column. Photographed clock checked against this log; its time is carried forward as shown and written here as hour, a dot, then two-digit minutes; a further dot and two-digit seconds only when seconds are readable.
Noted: 11.23
